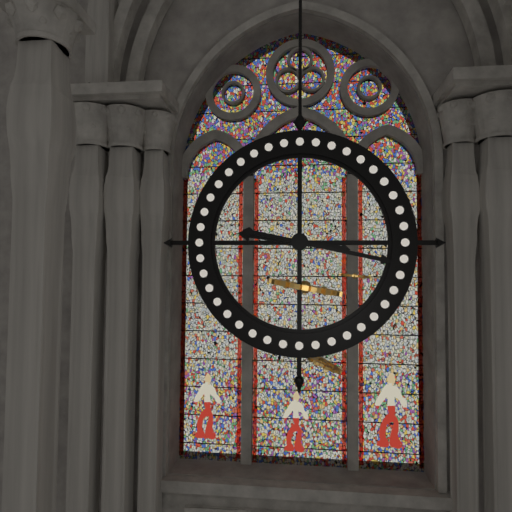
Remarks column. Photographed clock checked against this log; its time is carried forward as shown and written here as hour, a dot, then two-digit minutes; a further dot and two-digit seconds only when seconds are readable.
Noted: 9.17
